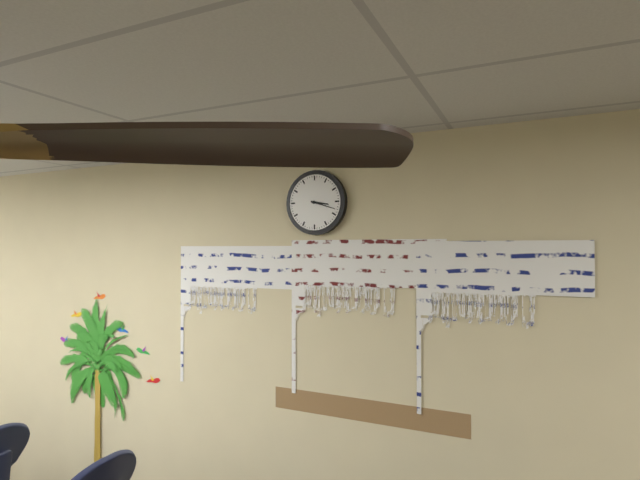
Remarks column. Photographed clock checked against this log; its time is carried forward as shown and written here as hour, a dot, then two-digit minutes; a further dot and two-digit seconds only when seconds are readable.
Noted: 3.18
